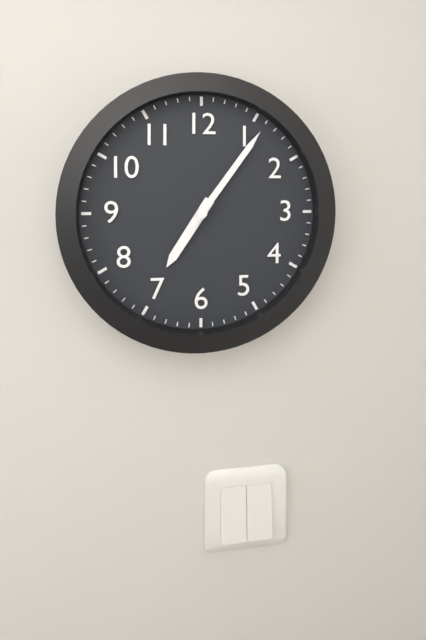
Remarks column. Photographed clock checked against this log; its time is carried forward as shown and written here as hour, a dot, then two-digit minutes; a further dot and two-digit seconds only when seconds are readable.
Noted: 7.06
